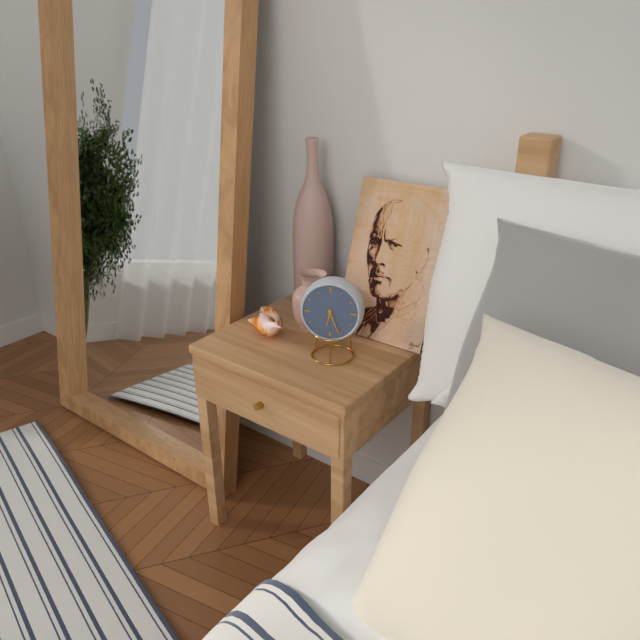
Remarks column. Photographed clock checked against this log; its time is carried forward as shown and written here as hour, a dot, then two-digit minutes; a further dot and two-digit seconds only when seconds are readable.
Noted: 6.26
